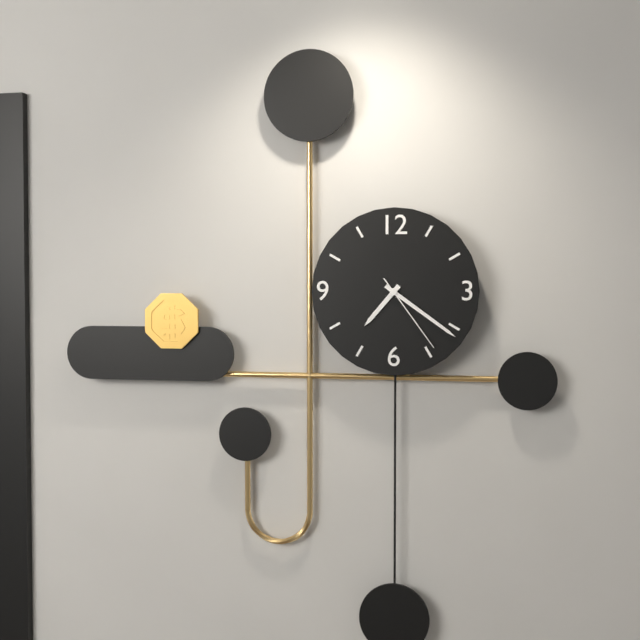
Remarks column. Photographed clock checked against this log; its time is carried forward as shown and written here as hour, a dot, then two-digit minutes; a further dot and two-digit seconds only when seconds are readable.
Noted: 7.21.24
